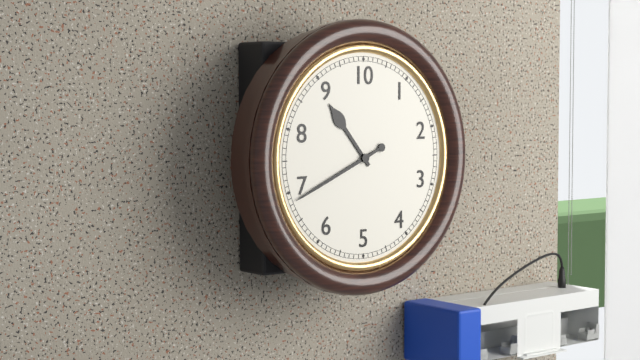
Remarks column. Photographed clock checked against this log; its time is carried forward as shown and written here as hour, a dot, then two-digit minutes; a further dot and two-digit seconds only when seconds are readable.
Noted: 10.41
